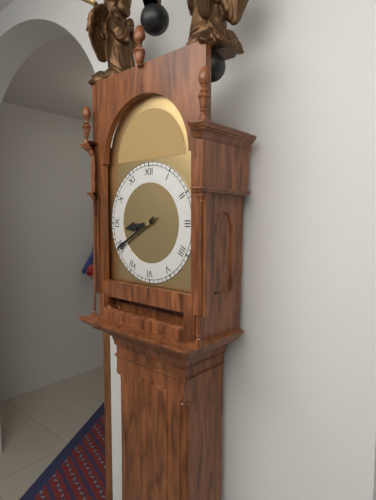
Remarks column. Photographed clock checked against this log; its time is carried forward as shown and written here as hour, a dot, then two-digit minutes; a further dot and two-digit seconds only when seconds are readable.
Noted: 8.40
